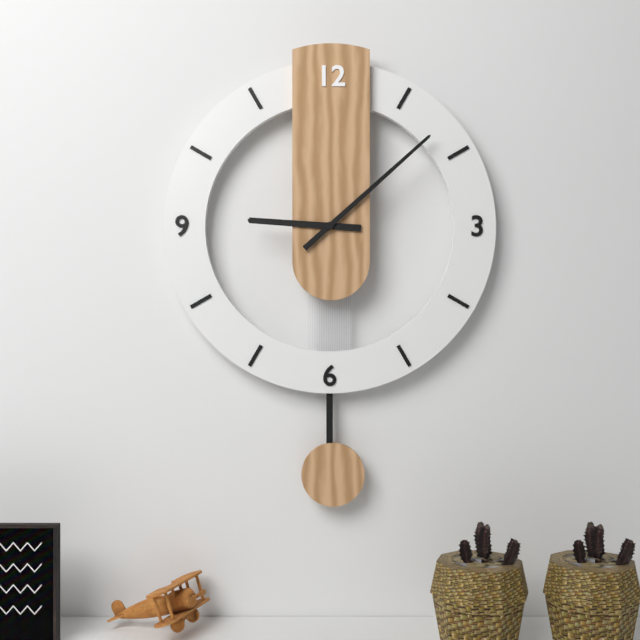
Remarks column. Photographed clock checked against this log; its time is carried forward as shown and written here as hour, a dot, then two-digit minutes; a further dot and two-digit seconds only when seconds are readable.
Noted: 9.08
